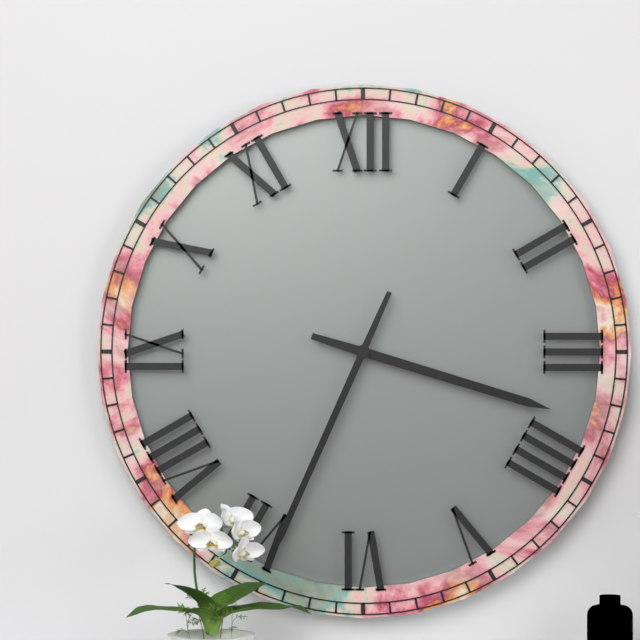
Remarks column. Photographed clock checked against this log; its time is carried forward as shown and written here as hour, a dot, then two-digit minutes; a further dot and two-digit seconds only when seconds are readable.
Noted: 3.34
